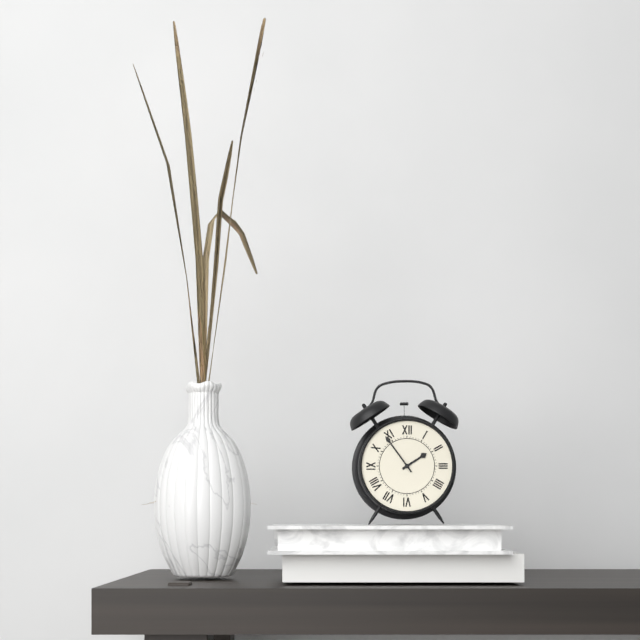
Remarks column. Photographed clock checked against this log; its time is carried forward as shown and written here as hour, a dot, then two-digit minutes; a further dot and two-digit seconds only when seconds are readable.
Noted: 1.54
